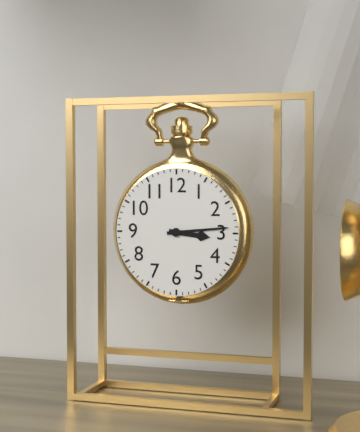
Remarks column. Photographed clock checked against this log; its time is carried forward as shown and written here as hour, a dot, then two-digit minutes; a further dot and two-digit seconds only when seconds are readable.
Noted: 3.14
